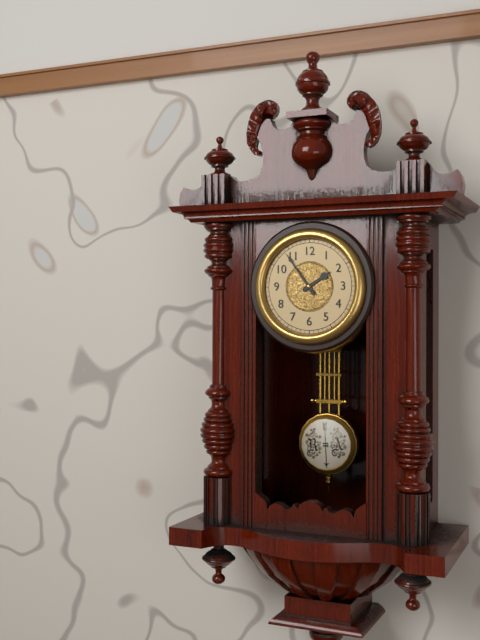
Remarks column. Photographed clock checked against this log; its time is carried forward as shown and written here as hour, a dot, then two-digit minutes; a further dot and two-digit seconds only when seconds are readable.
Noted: 1.54
